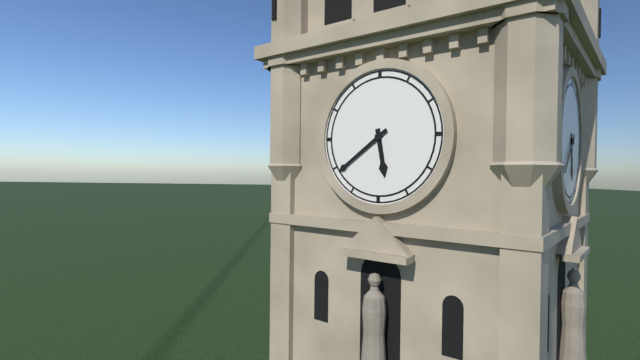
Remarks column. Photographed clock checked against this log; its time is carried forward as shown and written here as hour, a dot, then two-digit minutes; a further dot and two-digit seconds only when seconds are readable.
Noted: 5.39
